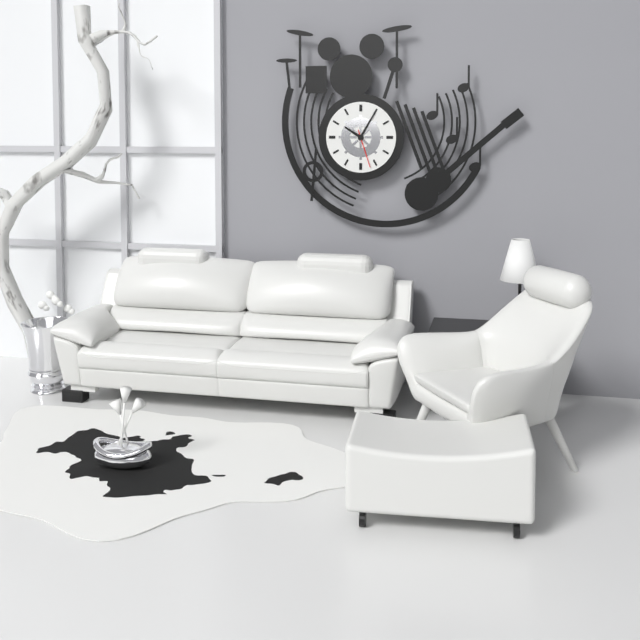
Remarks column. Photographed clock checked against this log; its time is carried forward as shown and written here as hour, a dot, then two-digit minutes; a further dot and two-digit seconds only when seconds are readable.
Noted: 10.05
